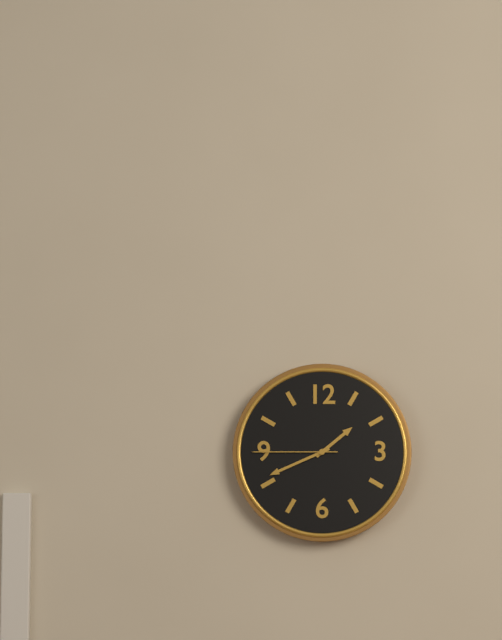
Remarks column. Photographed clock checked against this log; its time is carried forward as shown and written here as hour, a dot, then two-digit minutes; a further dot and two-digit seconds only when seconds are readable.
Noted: 1.41.45
